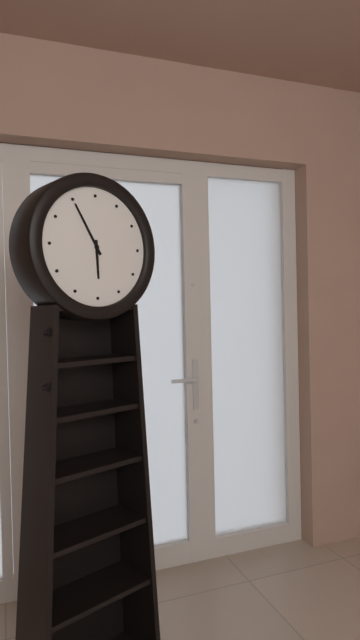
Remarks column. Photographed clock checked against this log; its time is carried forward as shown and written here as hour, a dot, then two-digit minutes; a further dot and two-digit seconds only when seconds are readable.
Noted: 5.55
